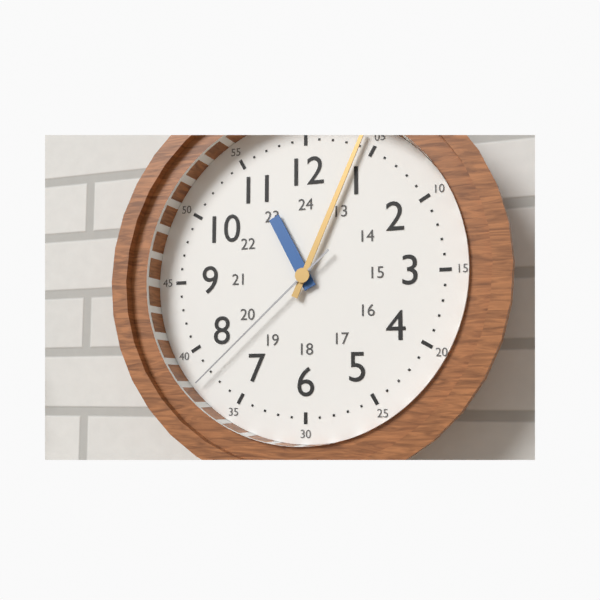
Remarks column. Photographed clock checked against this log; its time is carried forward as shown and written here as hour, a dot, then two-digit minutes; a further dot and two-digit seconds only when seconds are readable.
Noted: 11.04.38
